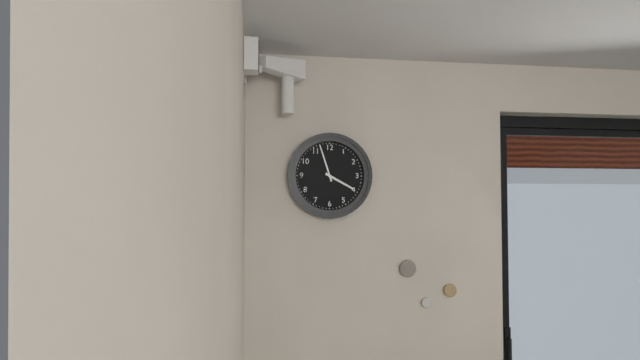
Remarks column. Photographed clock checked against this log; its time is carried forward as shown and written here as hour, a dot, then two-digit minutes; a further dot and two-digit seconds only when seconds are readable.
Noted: 3.57
